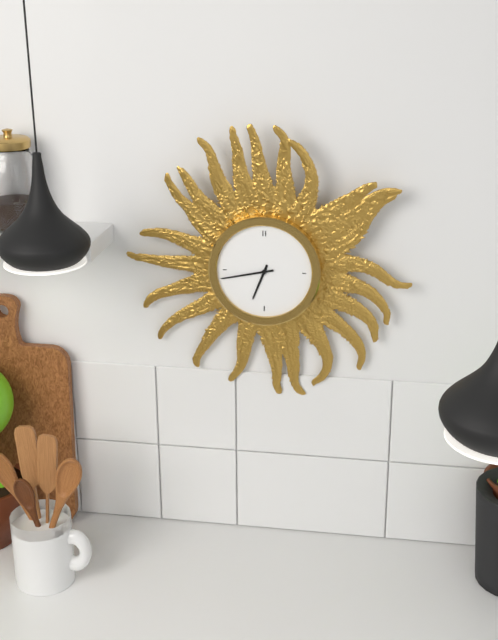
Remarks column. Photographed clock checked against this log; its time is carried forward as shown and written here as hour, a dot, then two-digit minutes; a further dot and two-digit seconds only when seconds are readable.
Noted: 6.43
